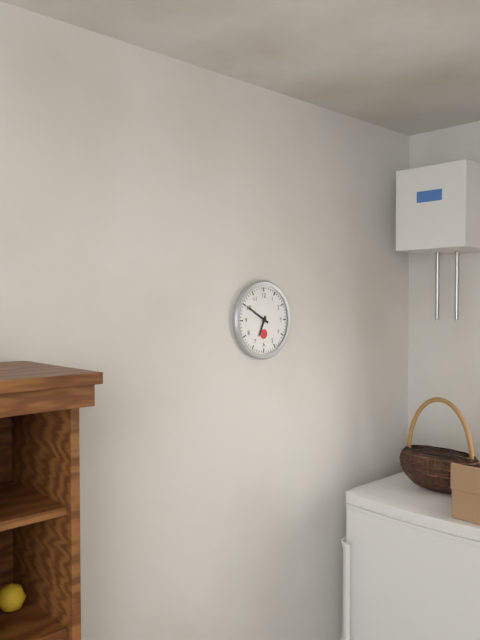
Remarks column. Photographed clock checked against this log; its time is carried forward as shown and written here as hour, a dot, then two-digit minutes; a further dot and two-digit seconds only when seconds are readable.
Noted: 6.50
